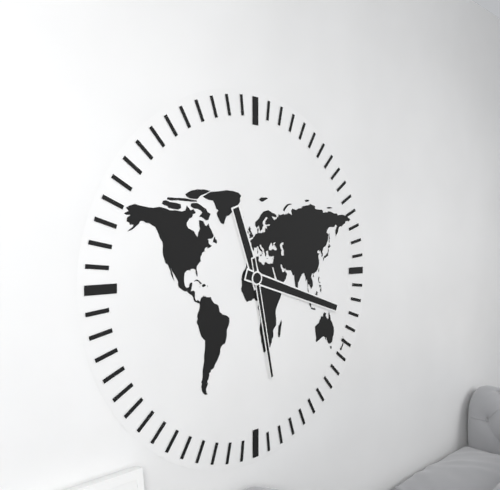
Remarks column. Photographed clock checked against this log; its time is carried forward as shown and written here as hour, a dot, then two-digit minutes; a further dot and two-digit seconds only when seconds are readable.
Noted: 11.18.28
